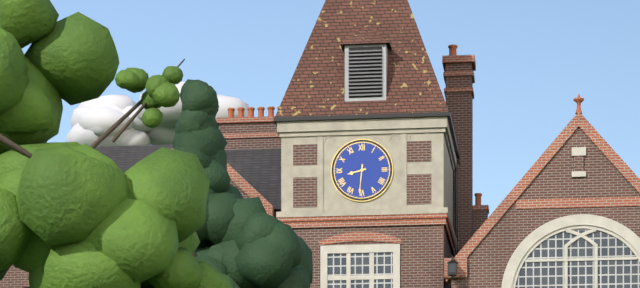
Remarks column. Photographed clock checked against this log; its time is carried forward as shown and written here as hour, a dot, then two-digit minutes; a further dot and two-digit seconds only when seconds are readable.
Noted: 8.31
